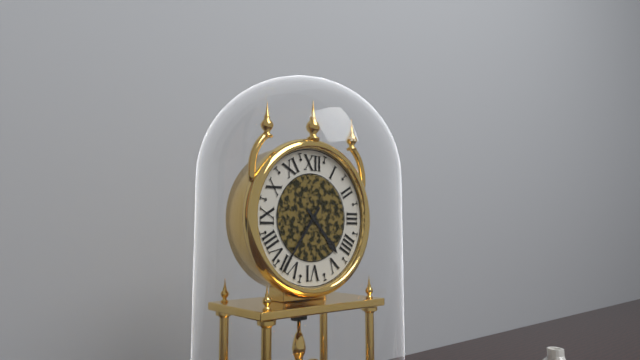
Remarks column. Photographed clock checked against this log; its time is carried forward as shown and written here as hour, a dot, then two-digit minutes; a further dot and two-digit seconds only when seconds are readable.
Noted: 4.36
